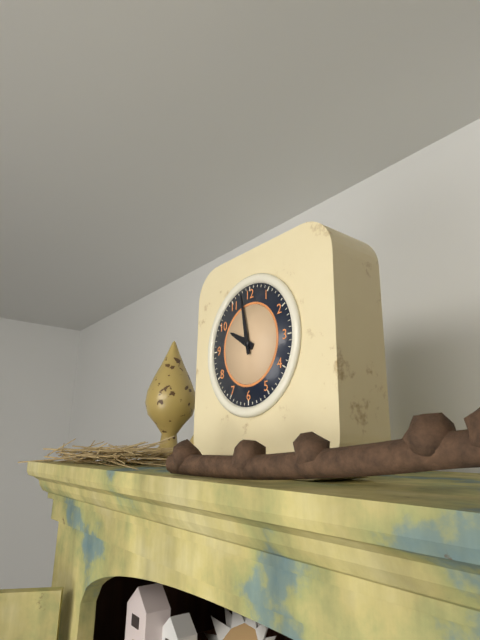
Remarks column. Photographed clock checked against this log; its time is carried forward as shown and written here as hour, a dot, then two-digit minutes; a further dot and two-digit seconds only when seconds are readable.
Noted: 9.58
